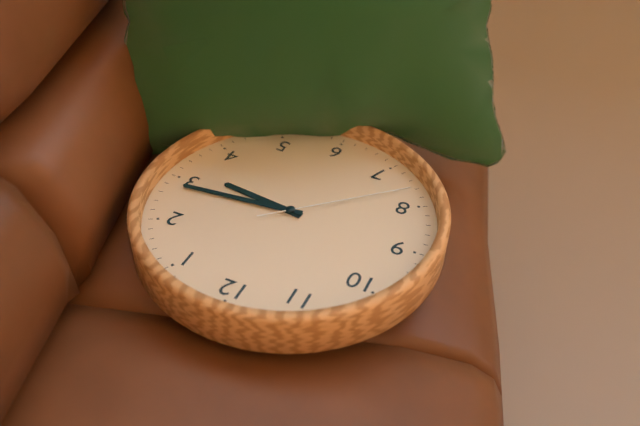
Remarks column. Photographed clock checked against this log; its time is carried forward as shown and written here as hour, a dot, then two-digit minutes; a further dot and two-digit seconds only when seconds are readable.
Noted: 3.14.38
